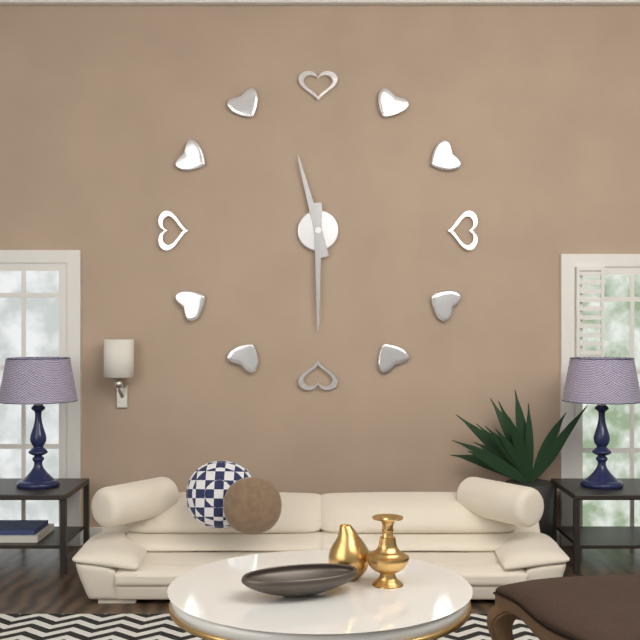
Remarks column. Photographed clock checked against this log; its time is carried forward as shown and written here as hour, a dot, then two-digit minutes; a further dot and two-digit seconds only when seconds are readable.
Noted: 11.30
